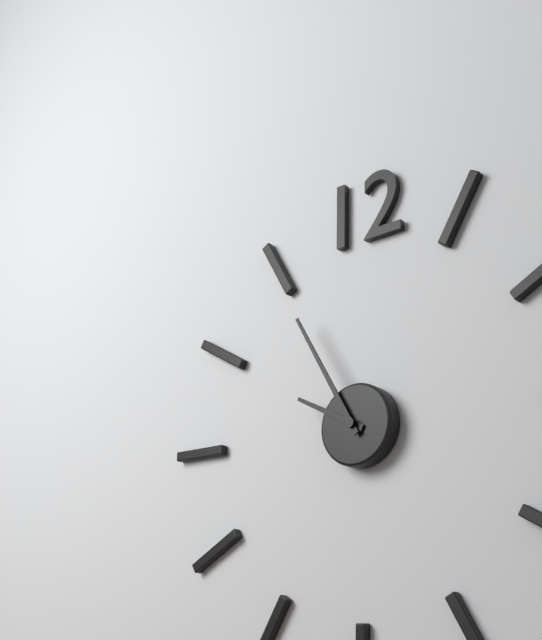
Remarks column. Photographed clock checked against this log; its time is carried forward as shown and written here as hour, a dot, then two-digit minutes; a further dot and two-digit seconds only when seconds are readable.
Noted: 9.55
